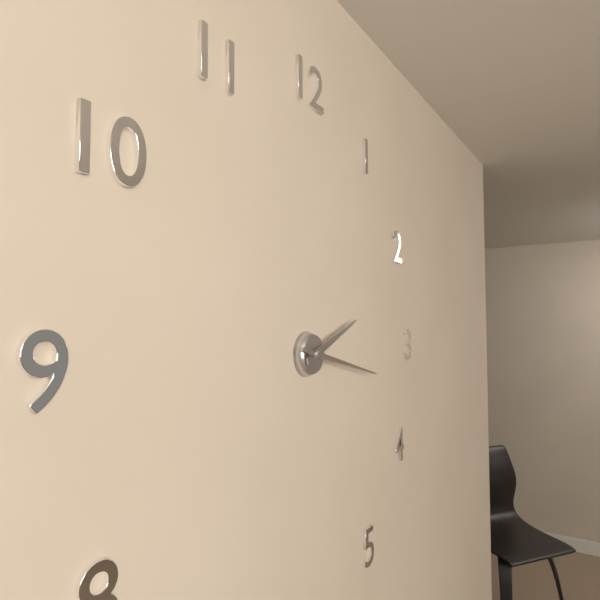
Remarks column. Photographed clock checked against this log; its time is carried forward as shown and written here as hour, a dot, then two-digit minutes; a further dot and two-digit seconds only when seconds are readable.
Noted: 2.17
